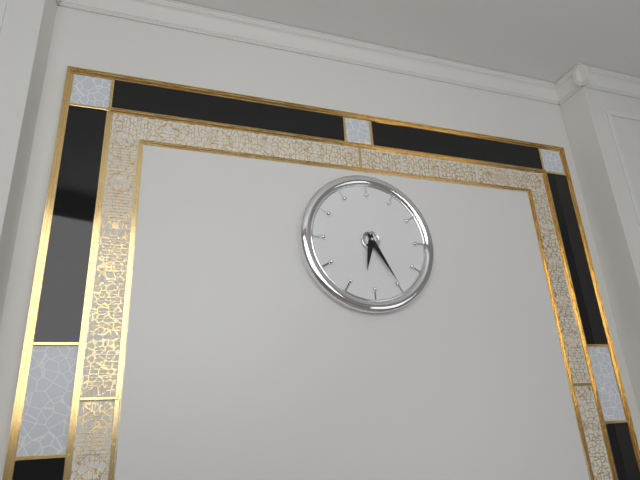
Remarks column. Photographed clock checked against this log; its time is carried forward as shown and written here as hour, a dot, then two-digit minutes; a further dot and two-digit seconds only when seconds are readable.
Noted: 6.25
